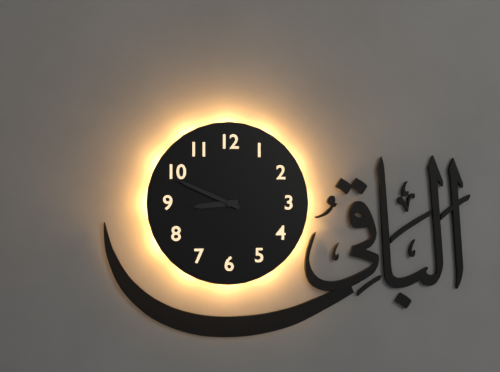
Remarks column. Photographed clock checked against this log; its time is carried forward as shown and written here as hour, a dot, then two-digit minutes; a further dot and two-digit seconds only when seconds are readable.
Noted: 8.49
